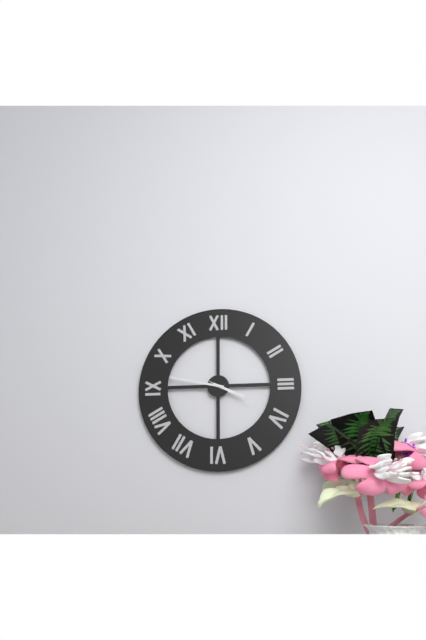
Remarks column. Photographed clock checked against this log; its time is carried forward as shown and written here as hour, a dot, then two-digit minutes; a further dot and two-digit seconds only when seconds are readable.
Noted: 3.47
